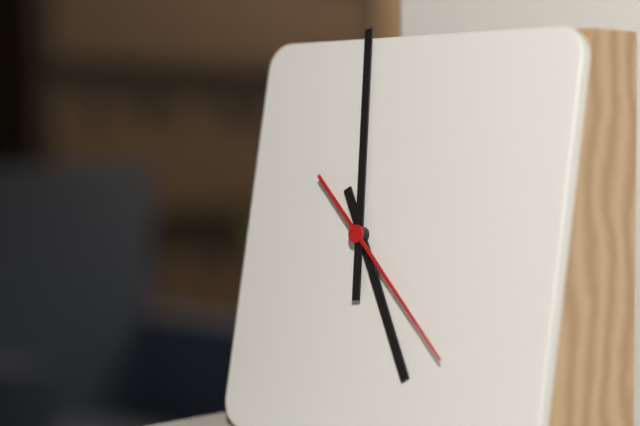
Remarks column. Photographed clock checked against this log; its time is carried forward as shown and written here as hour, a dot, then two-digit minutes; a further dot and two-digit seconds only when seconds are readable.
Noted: 4.59.22
